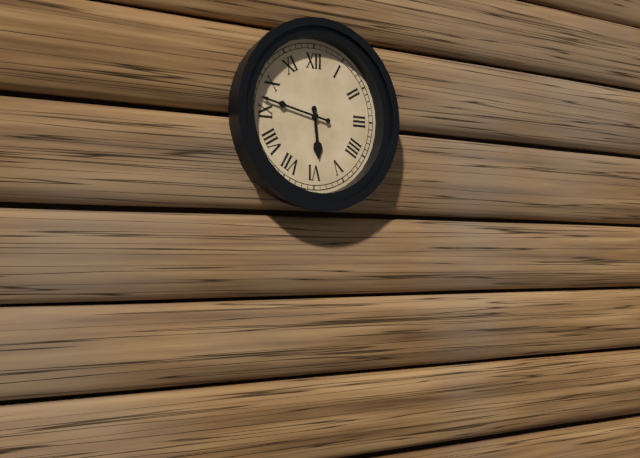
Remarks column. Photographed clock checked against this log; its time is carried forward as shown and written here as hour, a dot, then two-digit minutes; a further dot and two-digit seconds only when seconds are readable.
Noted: 5.47
